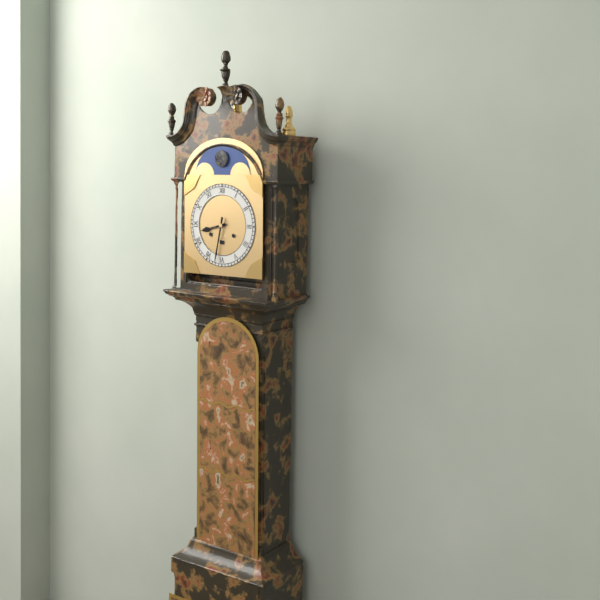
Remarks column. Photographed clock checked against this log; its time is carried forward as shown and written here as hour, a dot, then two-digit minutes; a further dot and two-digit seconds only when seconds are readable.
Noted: 8.32
